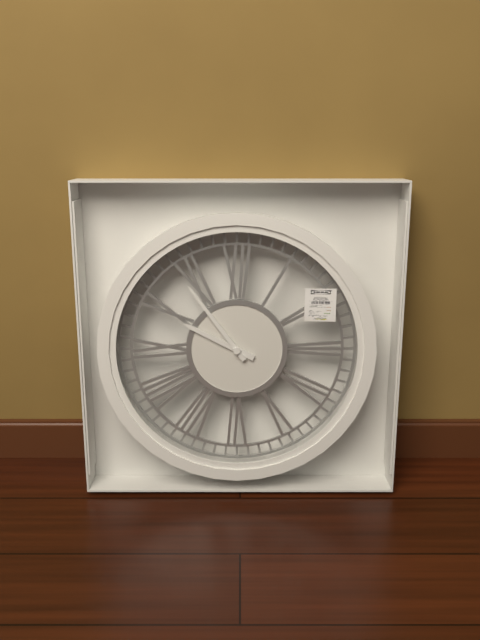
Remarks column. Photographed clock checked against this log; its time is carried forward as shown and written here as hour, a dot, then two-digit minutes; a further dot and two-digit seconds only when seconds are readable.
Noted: 9.54
